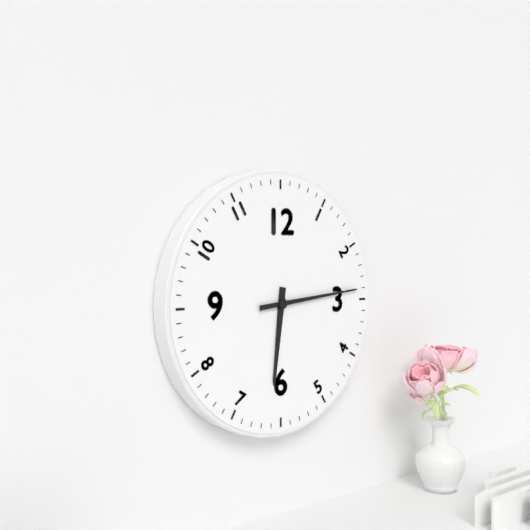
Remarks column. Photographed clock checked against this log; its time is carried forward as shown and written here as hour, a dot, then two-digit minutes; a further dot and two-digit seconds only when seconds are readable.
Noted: 6.14
